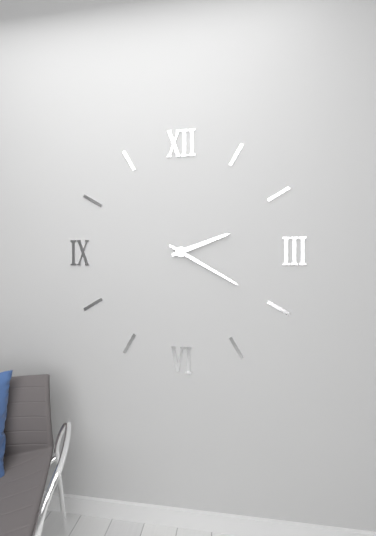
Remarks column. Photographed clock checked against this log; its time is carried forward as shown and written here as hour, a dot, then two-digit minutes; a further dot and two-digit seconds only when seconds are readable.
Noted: 2.20
